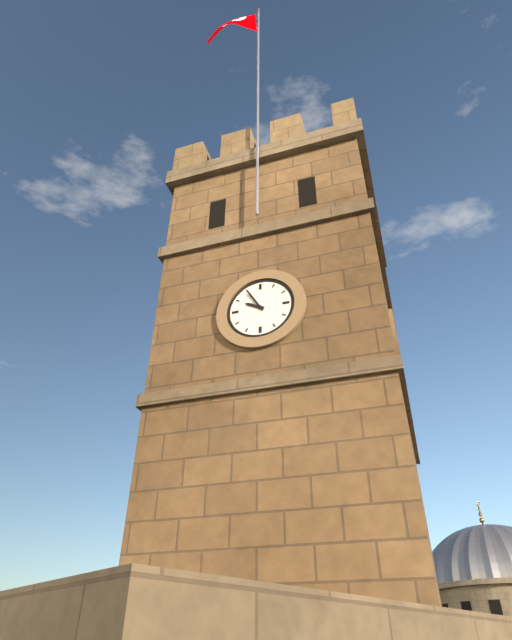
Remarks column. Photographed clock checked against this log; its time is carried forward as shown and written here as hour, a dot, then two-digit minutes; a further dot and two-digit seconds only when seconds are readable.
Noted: 9.55
